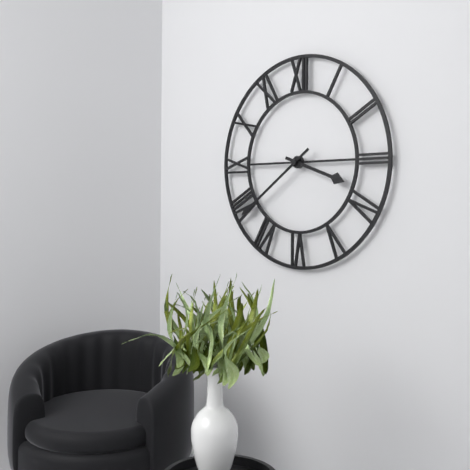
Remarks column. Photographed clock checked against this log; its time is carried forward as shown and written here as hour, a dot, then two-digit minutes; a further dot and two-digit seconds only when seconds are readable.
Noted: 3.39
